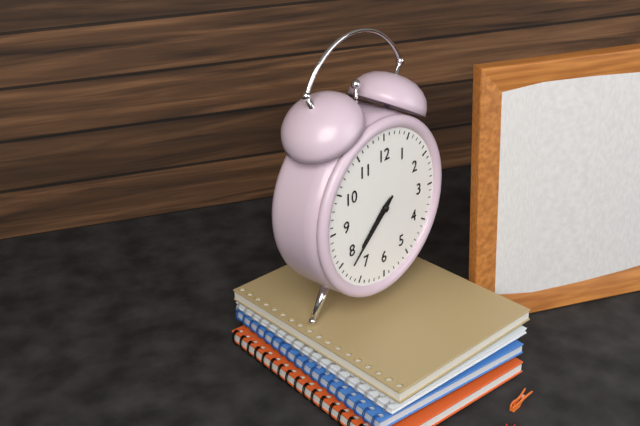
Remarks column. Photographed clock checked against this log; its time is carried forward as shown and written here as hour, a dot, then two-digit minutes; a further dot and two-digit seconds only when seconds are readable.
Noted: 7.38
